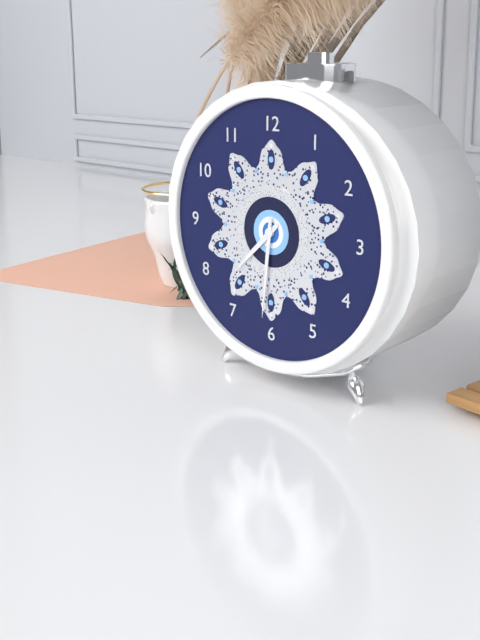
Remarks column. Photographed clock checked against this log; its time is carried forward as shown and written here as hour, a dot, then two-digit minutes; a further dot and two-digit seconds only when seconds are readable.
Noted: 7.31
